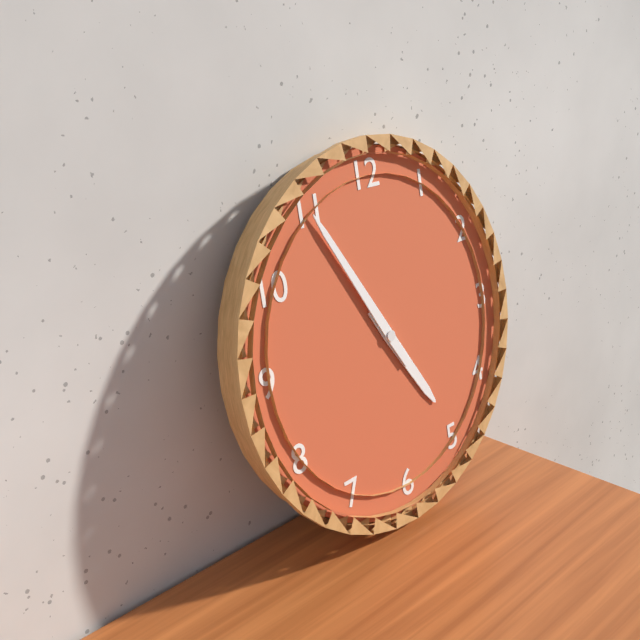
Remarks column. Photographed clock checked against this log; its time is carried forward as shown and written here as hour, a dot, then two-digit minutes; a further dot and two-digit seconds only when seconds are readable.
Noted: 4.55
